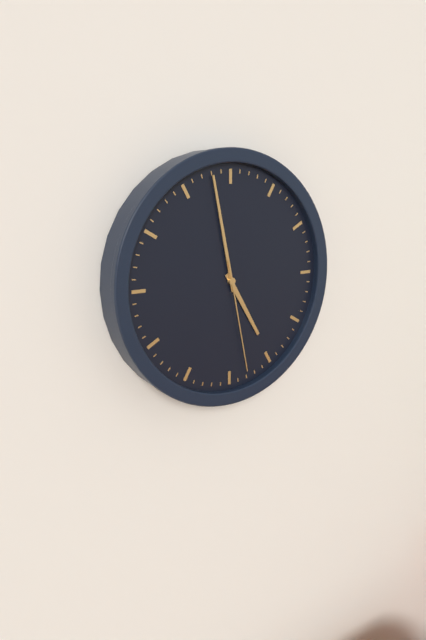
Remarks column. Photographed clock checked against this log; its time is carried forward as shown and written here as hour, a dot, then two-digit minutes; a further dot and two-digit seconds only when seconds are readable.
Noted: 4.58.28
